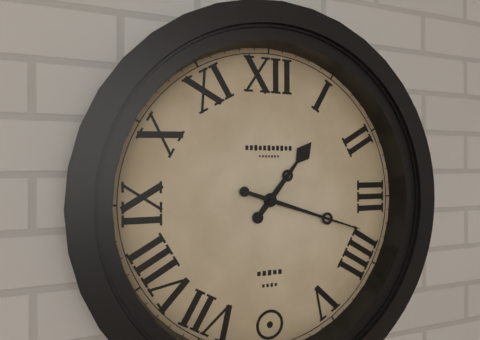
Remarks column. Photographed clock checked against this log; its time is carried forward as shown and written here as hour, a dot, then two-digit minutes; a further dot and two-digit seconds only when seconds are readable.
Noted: 1.18
